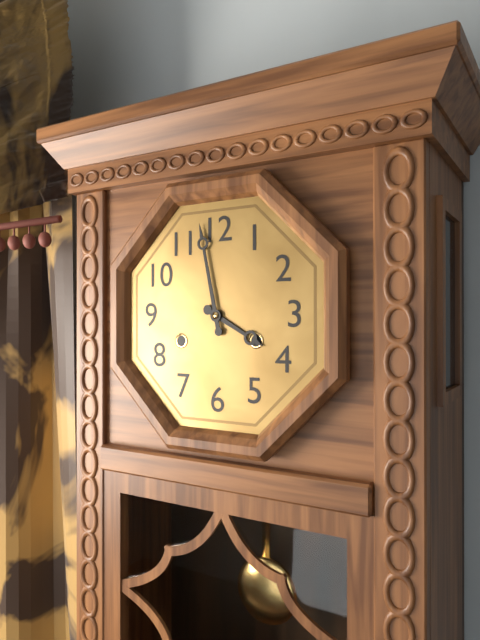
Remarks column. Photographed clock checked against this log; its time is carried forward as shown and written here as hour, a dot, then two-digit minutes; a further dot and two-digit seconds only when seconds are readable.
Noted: 3.58
